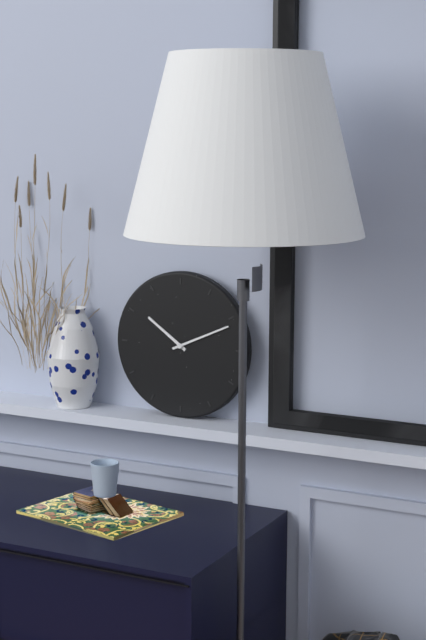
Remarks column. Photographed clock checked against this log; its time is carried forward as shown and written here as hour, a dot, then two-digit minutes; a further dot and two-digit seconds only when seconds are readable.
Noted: 10.11
